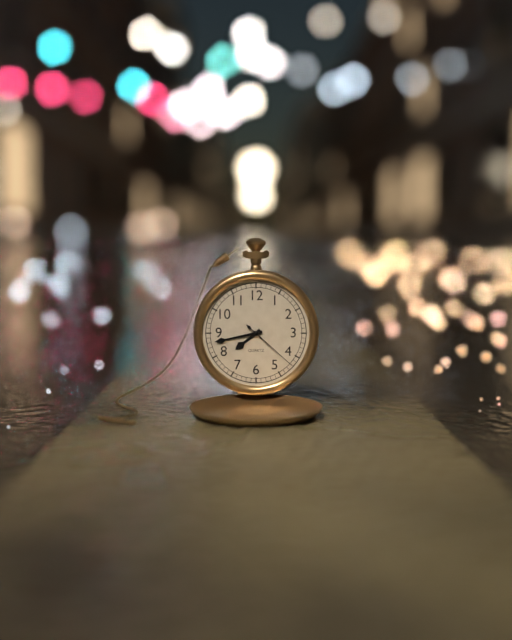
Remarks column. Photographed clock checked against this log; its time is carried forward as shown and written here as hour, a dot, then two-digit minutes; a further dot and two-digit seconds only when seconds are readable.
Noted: 7.43.22
